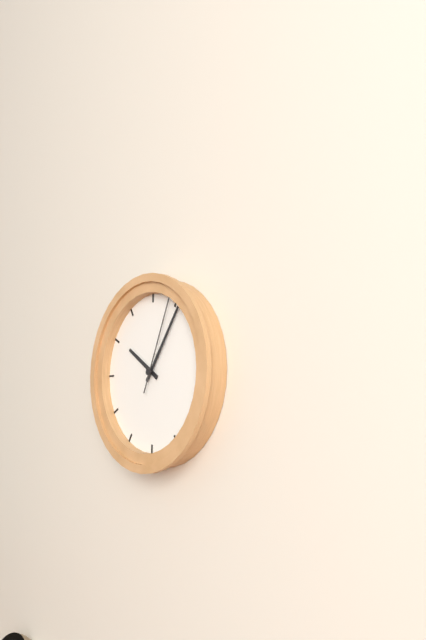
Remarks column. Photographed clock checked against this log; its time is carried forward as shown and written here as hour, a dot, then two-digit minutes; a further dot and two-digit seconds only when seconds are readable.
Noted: 10.06.04
